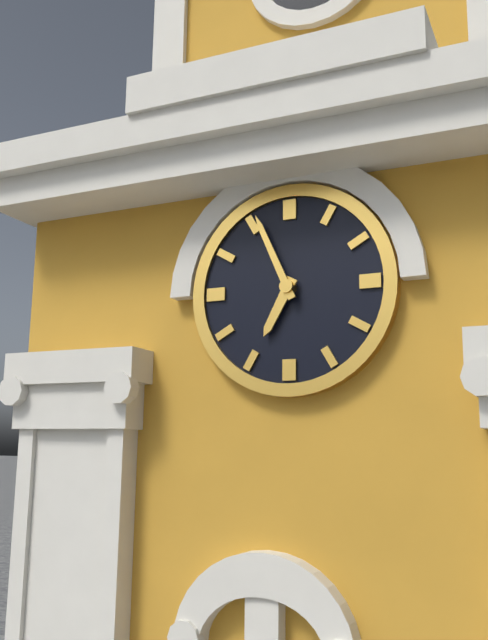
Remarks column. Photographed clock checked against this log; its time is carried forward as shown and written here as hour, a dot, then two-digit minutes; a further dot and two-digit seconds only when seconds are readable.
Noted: 6.56
